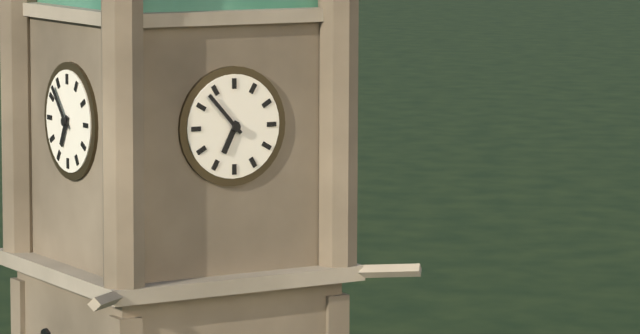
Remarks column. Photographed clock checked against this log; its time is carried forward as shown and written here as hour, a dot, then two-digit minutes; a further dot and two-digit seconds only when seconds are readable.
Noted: 6.53
